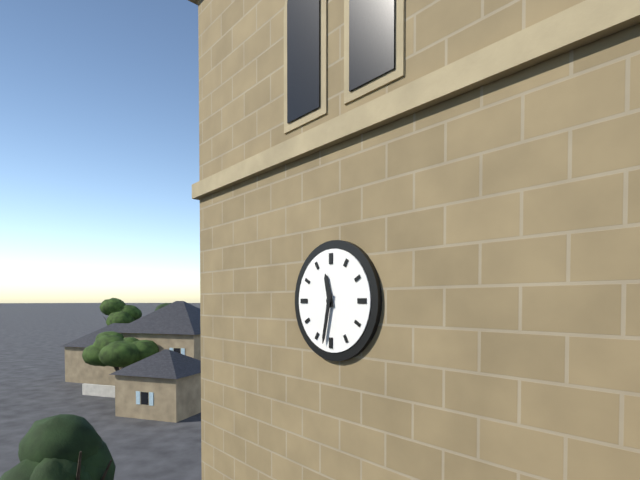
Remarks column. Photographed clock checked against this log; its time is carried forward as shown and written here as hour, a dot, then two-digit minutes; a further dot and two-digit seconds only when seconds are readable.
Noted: 11.32
